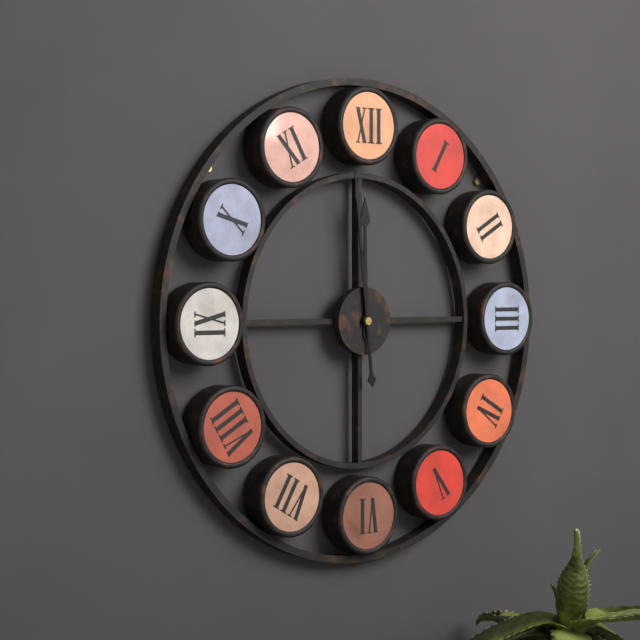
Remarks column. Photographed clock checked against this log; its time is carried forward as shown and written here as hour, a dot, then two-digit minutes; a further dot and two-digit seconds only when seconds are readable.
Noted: 11.59
